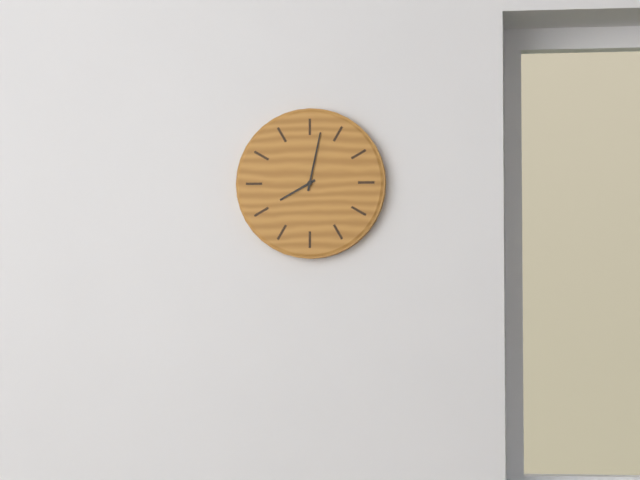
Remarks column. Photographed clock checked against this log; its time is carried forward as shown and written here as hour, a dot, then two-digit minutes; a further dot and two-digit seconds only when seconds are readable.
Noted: 8.02
